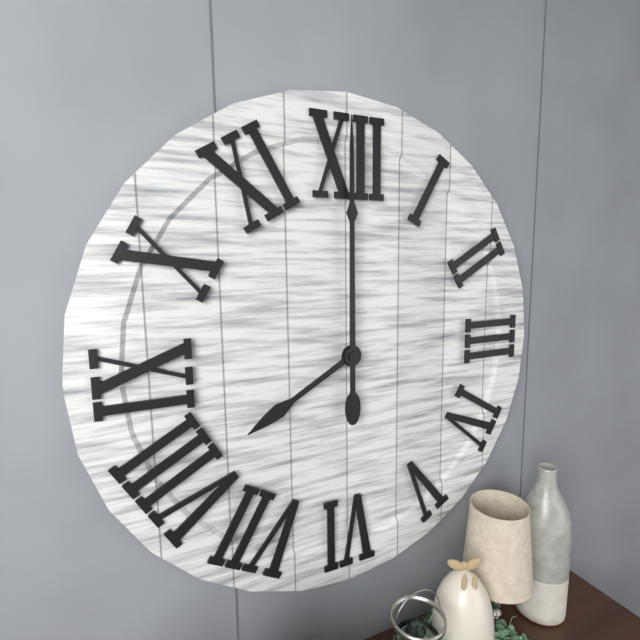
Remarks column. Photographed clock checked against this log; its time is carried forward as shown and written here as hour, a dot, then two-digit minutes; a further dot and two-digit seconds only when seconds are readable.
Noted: 8.00
